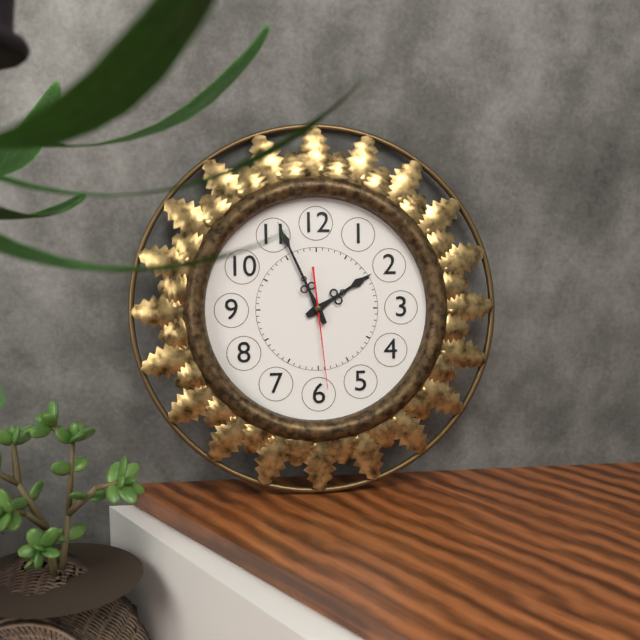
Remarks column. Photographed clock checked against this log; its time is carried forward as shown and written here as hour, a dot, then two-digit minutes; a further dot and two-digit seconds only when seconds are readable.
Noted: 1.56.29
